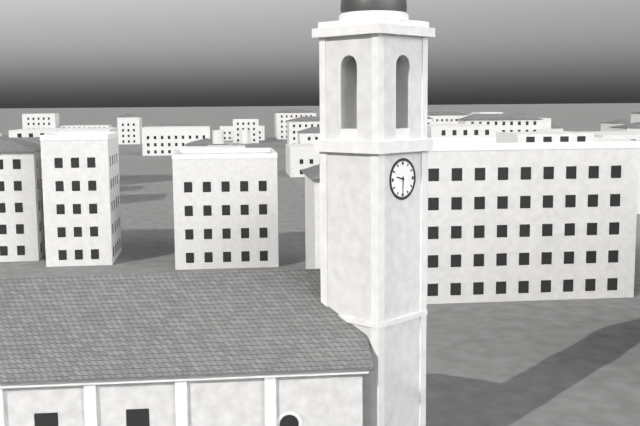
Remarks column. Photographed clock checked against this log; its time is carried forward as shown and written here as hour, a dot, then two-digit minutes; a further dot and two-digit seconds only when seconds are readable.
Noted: 9.30
